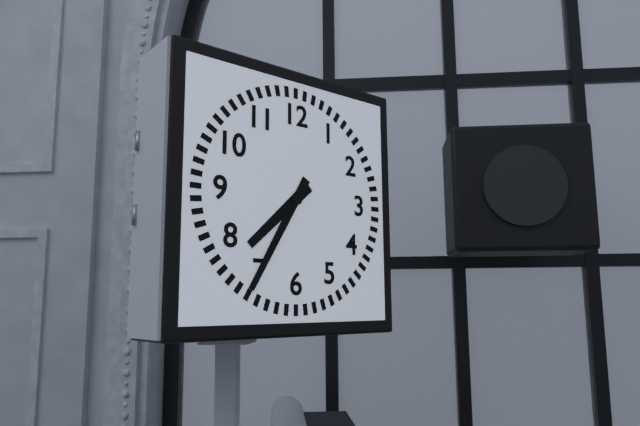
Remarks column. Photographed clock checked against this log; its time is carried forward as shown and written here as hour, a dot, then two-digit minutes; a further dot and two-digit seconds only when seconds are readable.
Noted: 7.35
